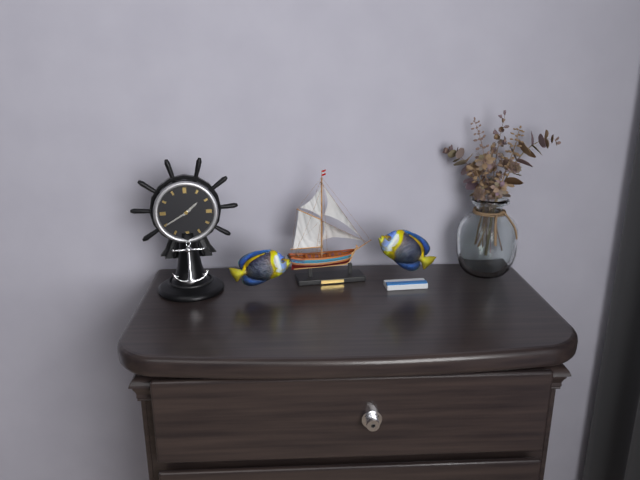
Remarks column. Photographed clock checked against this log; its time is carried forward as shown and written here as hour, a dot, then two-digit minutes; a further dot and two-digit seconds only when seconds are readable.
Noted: 1.40
